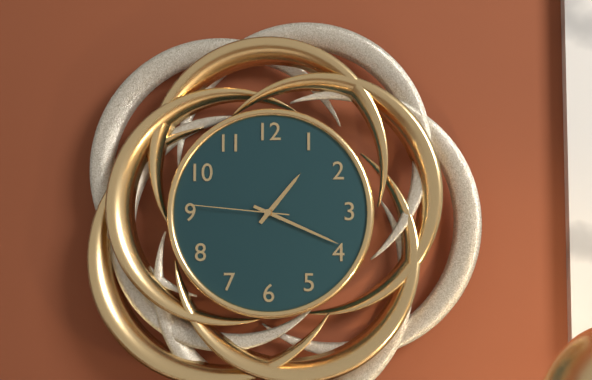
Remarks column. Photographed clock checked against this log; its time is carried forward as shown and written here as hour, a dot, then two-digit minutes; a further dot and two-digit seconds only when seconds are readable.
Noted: 1.19.46
